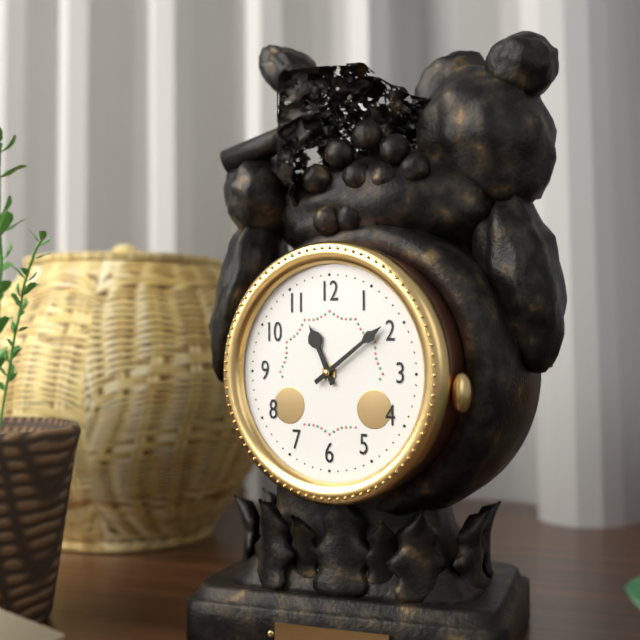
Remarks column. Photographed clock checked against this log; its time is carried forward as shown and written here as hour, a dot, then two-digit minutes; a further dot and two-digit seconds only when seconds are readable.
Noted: 11.09
